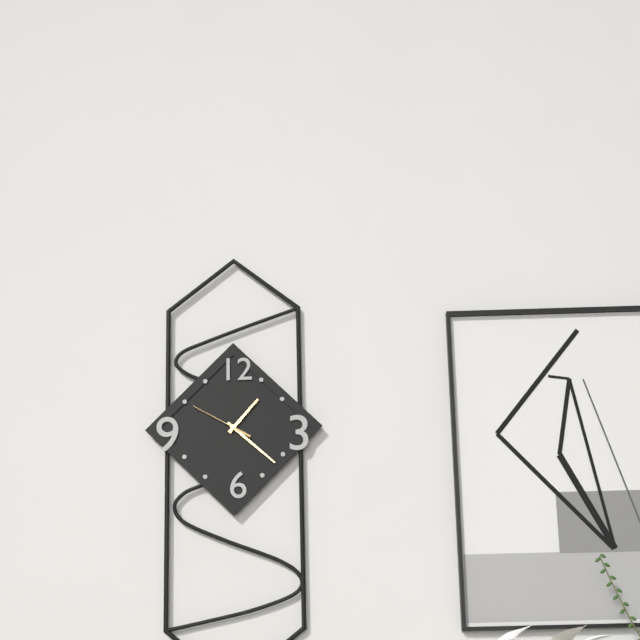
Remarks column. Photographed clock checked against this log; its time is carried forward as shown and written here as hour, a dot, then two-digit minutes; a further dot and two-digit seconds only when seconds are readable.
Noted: 1.22.50
